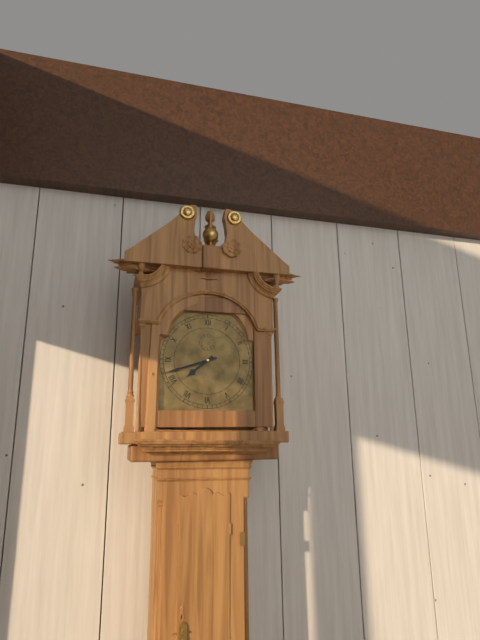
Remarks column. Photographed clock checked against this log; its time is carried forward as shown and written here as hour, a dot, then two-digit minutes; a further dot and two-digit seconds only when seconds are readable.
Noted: 7.42
